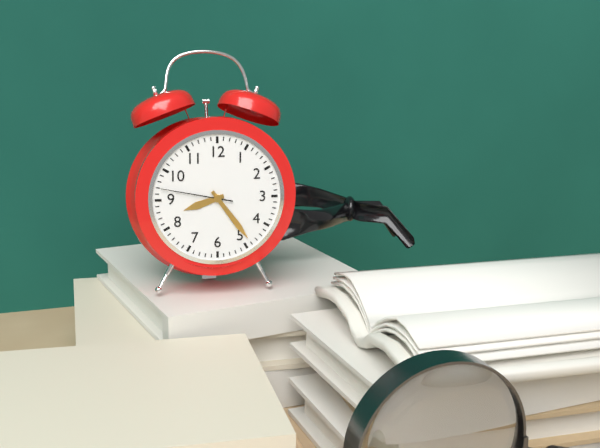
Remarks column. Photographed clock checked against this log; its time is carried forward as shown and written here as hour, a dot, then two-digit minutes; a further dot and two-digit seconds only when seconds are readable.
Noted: 8.24.47
